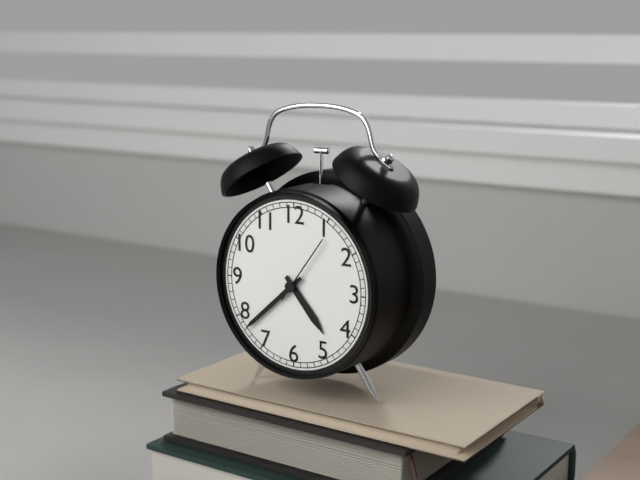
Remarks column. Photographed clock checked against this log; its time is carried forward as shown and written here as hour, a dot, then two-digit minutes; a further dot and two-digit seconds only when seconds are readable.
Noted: 4.38.06
